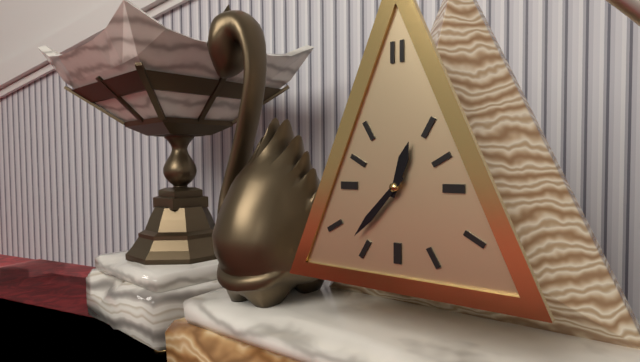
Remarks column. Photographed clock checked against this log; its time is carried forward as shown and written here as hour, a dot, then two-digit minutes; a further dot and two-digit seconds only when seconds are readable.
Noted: 12.37
